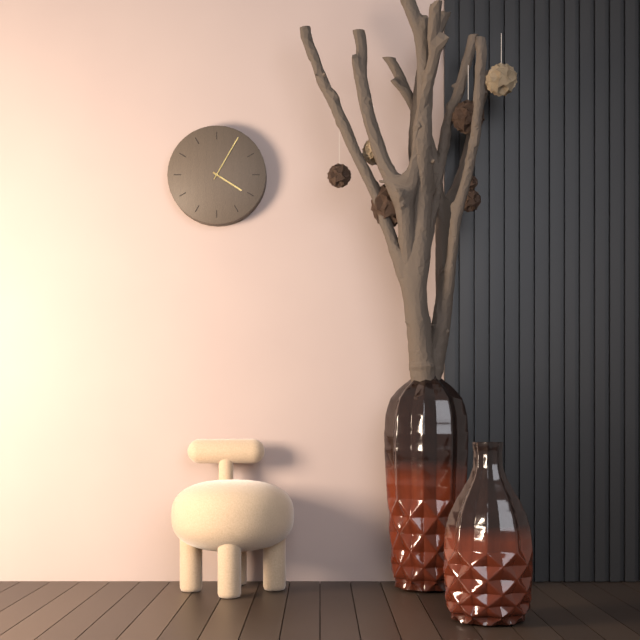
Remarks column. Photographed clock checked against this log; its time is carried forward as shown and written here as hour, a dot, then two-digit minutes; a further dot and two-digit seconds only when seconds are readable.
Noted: 4.05
